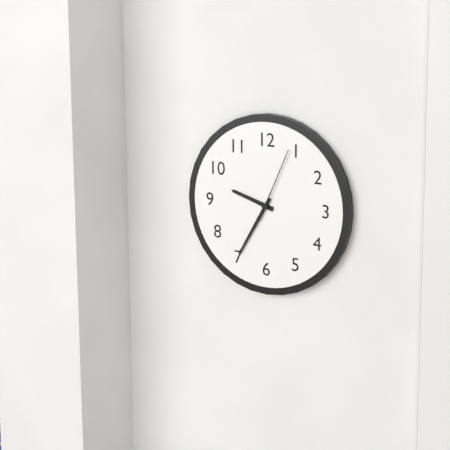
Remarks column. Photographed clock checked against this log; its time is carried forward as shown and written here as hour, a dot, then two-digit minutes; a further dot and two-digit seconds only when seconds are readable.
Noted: 9.35.04
